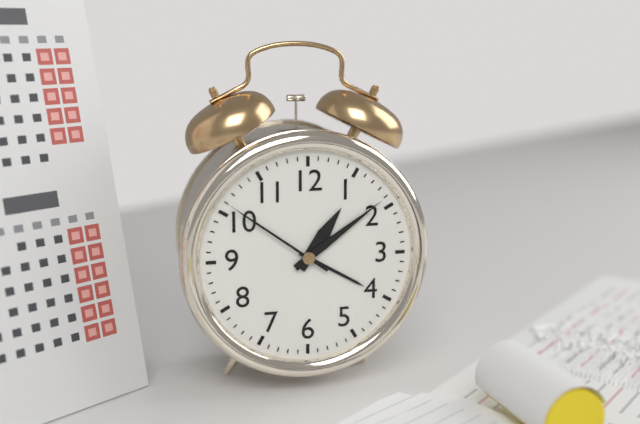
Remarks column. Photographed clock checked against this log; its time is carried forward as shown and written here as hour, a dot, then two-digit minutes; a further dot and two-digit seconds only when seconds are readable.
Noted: 1.09.51
